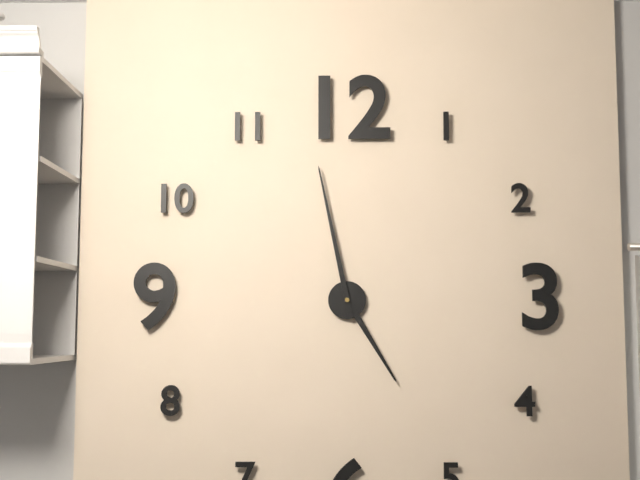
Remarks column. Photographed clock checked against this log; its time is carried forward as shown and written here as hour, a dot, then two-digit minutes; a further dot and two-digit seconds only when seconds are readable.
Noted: 4.58
